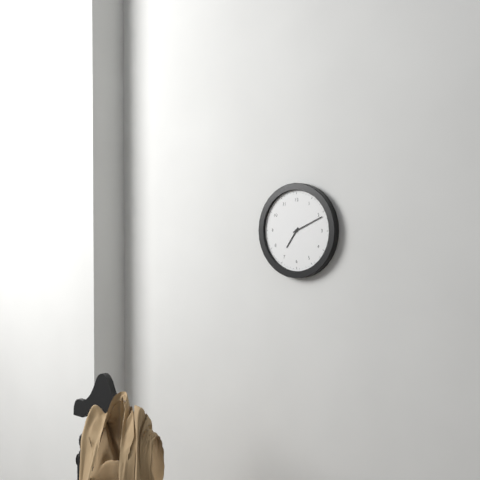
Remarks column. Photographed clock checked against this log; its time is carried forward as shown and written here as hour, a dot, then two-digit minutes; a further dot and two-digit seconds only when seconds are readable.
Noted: 7.11
